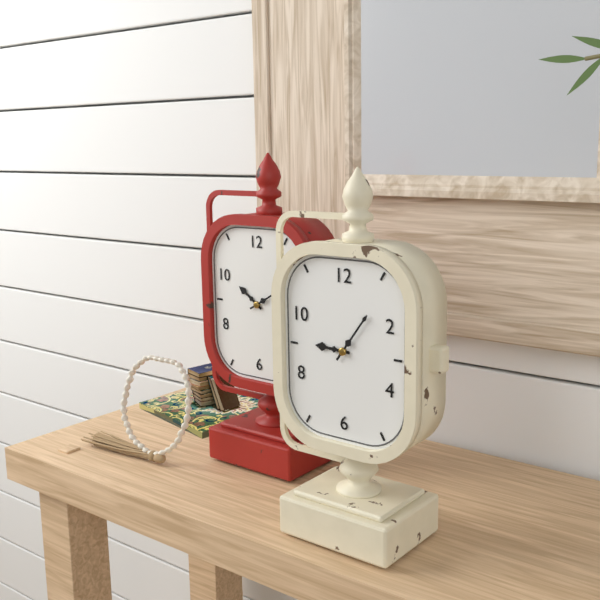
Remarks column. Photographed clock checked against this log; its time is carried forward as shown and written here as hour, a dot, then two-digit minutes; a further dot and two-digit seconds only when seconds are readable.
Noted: 9.06
